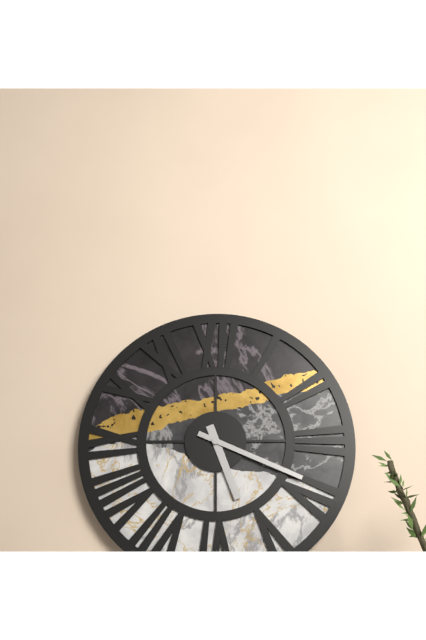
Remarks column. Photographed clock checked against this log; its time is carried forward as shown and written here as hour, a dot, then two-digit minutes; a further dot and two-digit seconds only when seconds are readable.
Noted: 5.19
